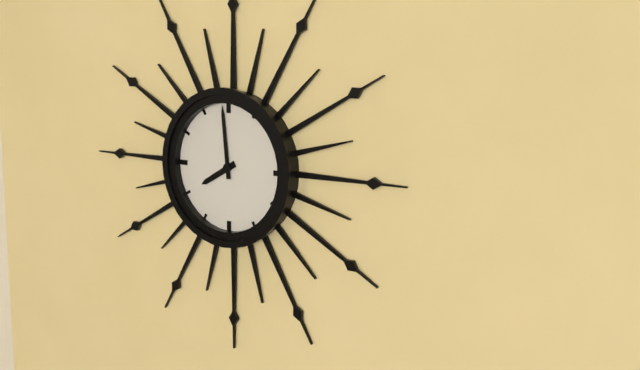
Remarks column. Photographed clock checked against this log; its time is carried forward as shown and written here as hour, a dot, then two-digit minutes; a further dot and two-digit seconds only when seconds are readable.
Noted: 7.59
